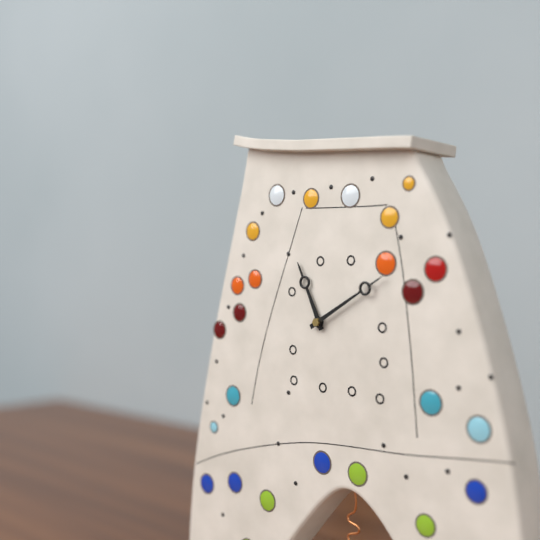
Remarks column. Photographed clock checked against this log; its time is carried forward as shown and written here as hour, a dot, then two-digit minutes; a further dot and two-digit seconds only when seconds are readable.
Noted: 11.10
